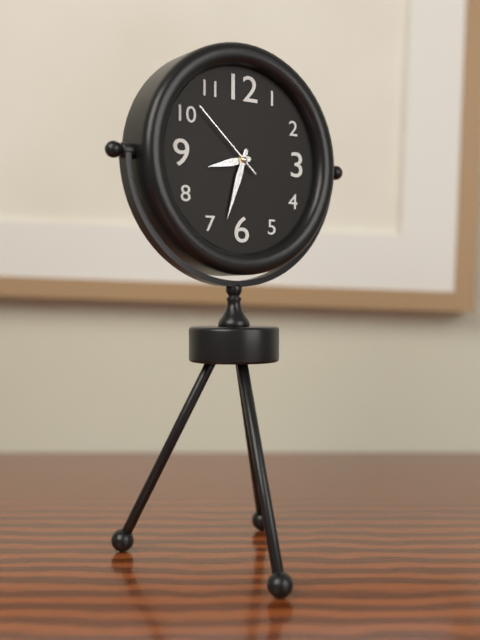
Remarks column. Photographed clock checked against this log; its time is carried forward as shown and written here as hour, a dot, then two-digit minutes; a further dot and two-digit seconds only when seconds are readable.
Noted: 8.33.52
